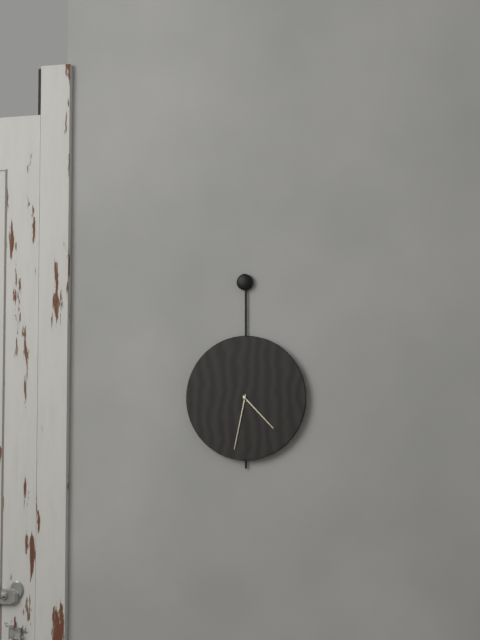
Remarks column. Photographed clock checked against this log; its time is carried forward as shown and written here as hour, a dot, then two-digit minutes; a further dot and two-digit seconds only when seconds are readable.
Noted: 4.32
